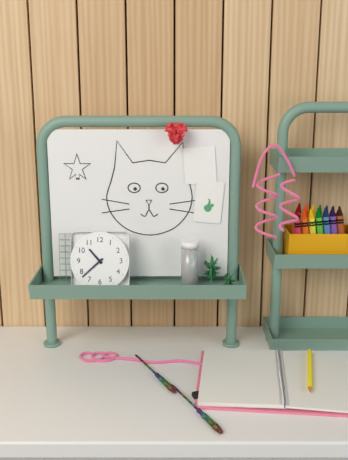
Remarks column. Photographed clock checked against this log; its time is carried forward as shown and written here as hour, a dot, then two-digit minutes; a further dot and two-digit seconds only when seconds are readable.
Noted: 10.38
